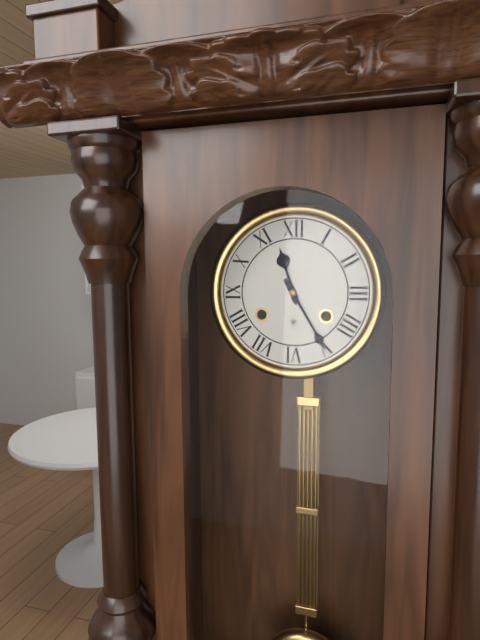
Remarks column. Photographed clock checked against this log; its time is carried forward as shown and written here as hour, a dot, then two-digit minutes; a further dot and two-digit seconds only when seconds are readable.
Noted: 11.25
